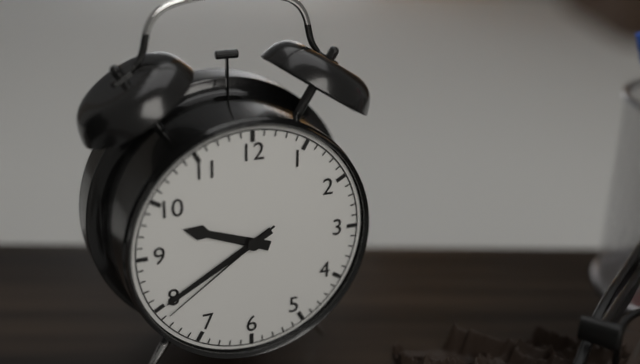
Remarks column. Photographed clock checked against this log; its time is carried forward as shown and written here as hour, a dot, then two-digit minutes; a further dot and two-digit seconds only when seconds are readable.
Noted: 9.40.39
